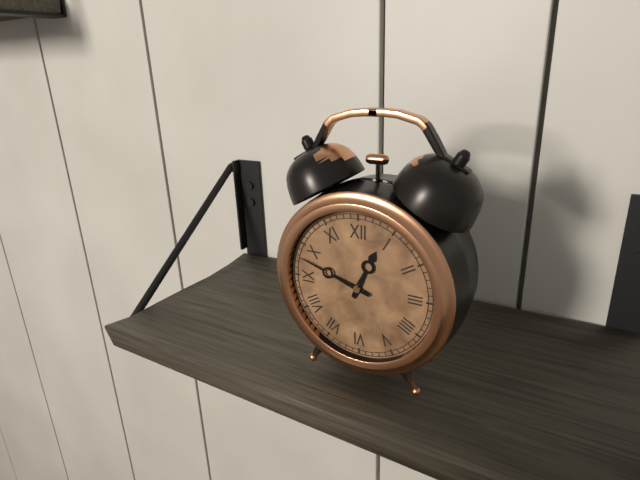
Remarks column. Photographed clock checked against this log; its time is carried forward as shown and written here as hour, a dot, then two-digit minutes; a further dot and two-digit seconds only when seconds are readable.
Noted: 12.48
